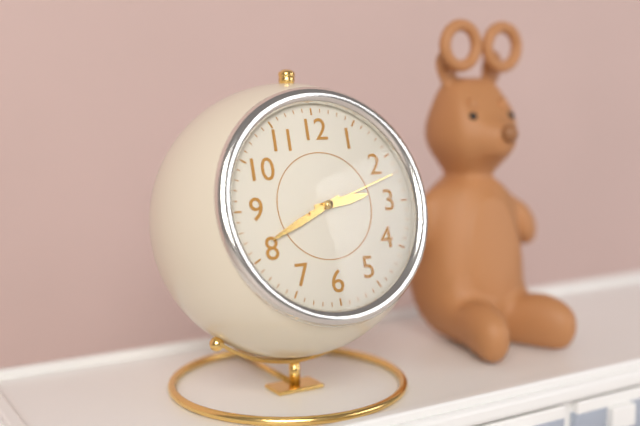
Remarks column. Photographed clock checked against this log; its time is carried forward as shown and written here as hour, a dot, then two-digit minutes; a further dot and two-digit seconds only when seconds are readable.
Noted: 2.41.12
